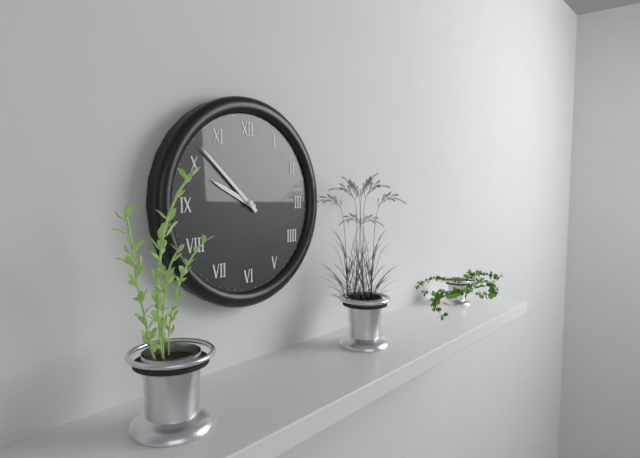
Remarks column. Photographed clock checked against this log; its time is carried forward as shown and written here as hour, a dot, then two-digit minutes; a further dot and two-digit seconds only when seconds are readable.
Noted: 9.52
